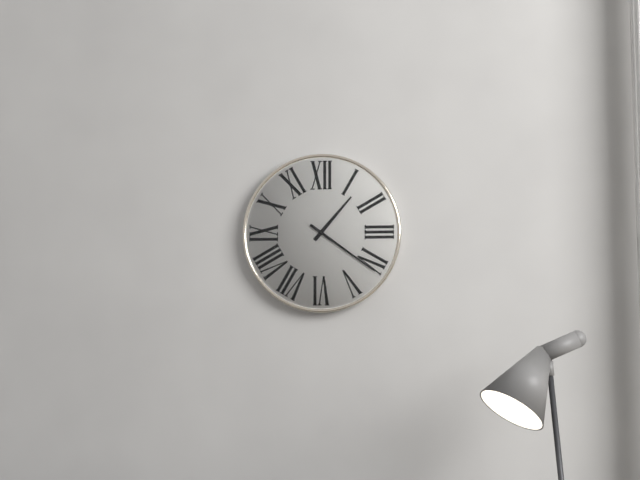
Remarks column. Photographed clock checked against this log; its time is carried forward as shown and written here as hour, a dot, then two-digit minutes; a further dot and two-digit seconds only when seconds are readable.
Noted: 1.21
